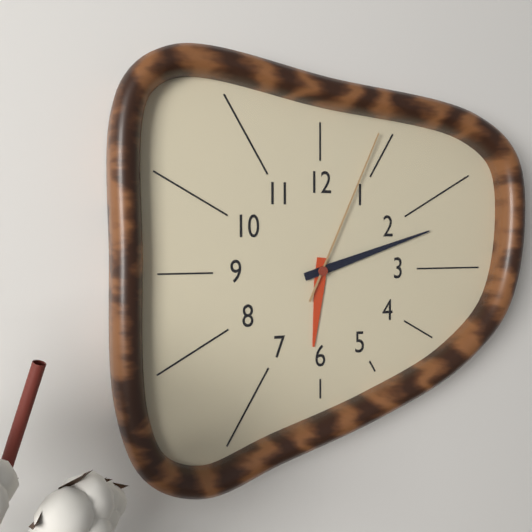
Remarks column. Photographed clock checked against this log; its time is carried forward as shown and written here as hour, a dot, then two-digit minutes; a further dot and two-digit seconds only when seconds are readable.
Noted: 6.12.04
